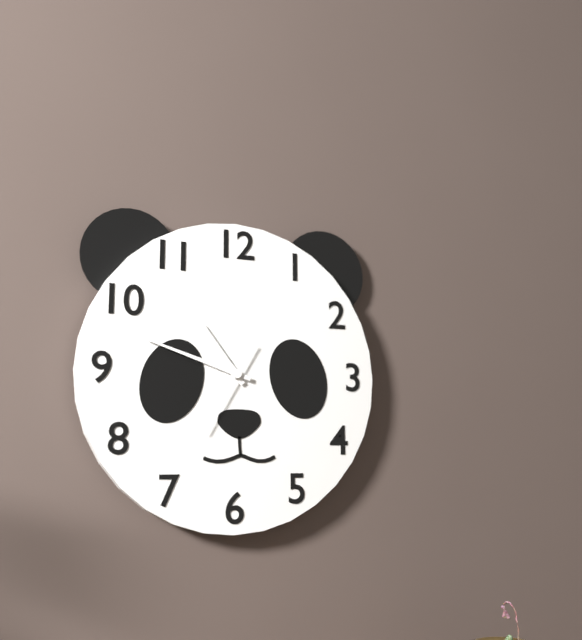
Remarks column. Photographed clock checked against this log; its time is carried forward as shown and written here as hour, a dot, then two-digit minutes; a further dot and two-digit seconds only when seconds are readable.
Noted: 10.48.35
